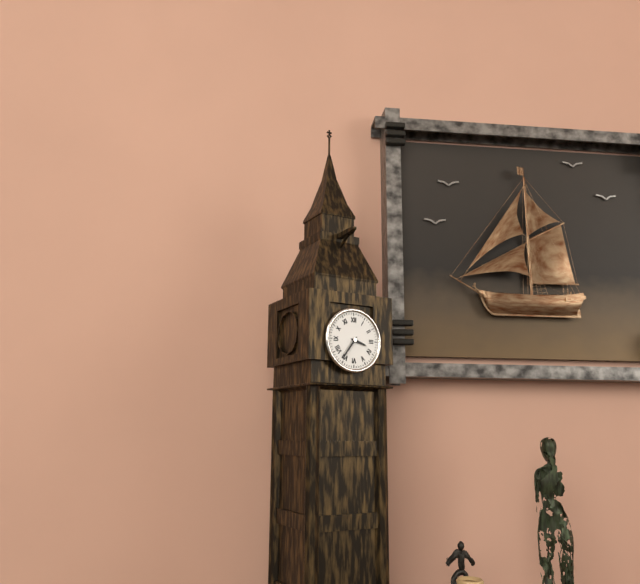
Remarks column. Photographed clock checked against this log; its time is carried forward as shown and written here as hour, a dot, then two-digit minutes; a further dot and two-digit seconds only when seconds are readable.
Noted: 3.36
